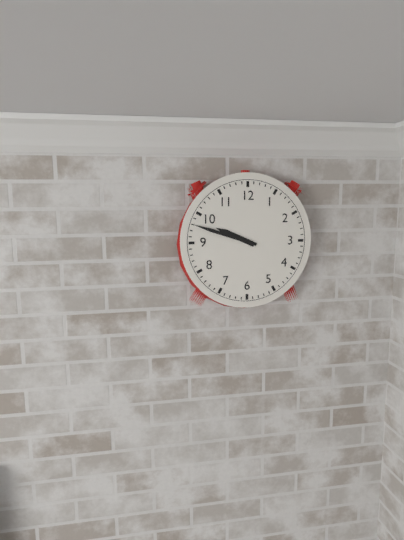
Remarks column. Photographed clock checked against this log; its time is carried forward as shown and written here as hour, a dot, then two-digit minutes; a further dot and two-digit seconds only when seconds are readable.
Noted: 9.48
